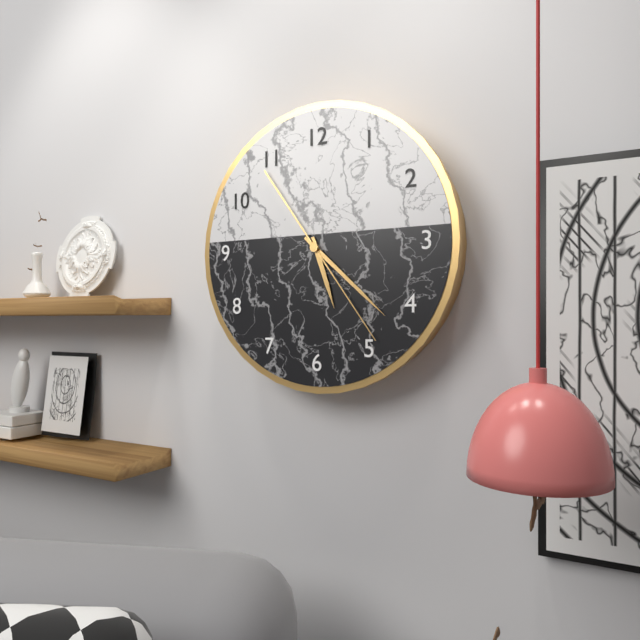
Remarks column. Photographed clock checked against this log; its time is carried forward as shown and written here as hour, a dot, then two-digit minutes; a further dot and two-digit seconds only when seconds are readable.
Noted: 5.22.24
